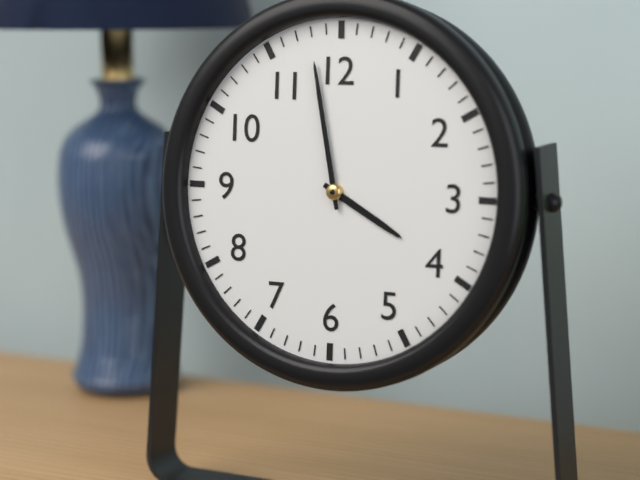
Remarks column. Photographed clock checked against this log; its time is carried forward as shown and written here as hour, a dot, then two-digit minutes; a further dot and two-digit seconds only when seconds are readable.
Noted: 3.58
